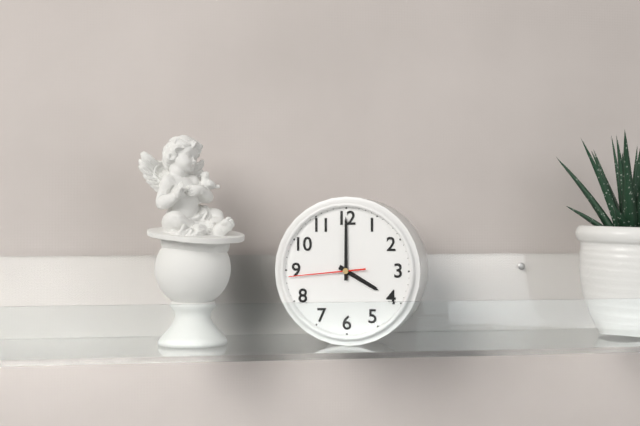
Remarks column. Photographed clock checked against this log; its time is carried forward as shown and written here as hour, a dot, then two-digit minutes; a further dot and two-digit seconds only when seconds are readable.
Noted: 4.00.44
